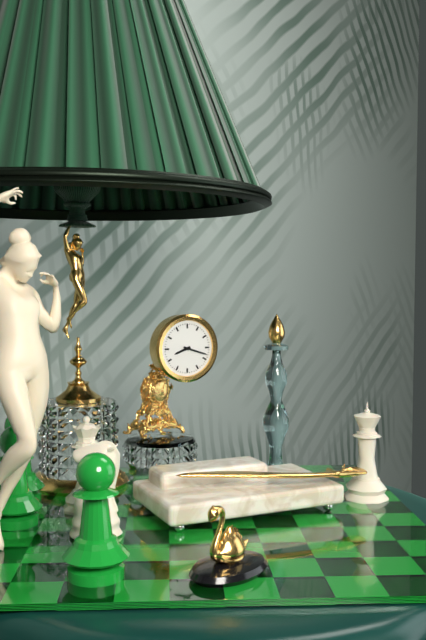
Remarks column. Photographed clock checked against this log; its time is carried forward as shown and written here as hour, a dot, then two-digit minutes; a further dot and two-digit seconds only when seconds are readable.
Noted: 8.18
